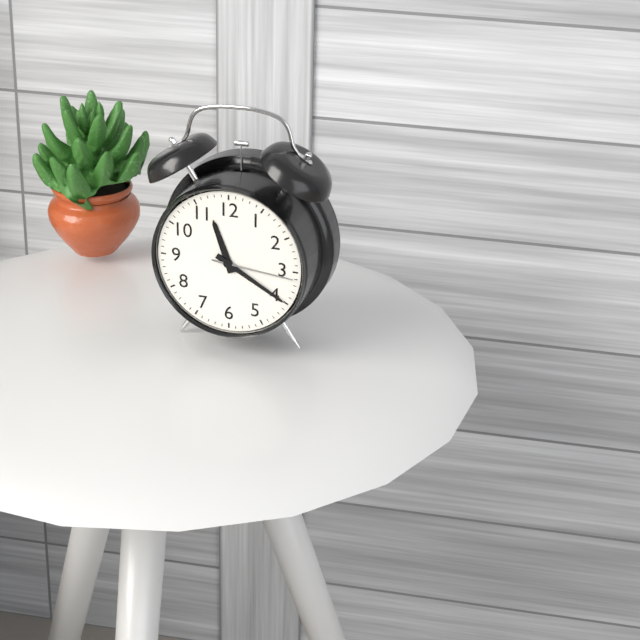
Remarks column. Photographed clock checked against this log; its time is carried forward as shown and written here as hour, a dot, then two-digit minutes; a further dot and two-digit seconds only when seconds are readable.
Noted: 11.20.16
